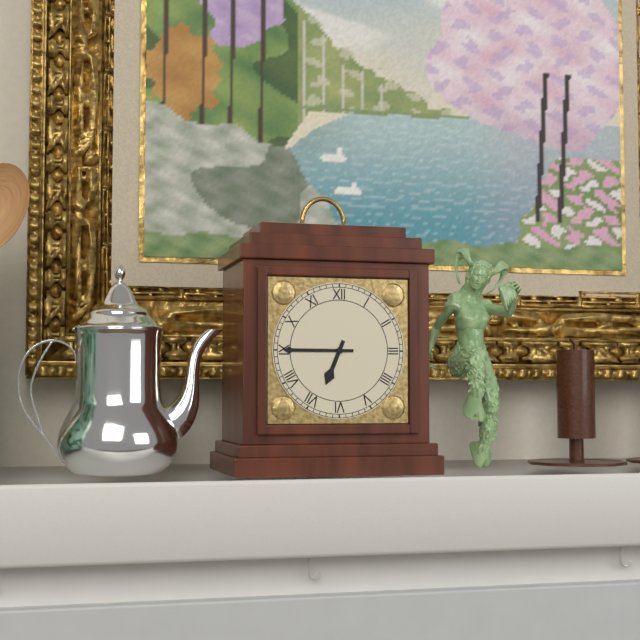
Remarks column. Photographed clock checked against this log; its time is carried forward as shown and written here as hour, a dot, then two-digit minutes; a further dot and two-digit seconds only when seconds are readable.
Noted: 6.45
